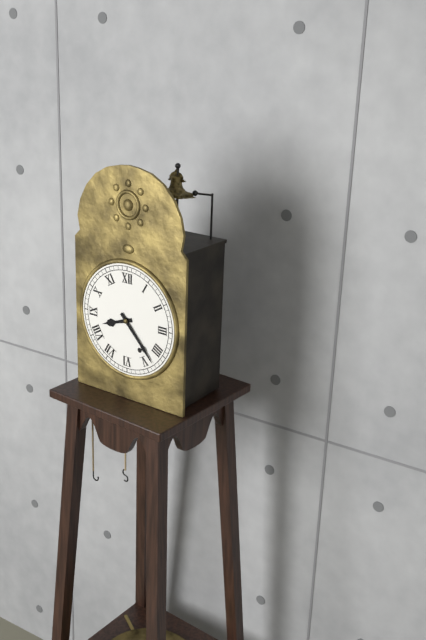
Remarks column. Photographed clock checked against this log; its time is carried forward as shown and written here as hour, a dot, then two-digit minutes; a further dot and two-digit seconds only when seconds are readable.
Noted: 8.23
